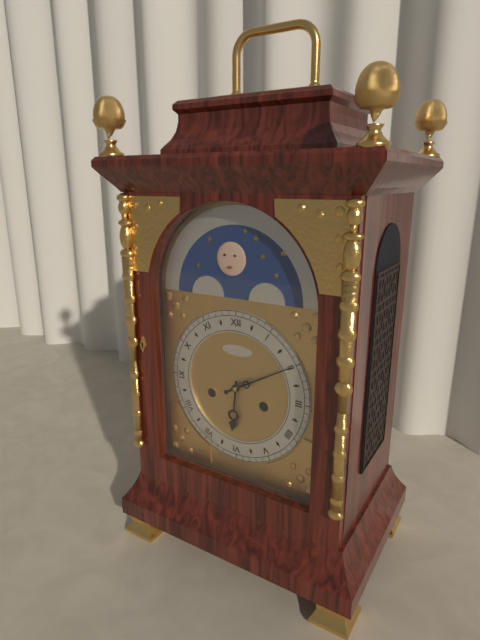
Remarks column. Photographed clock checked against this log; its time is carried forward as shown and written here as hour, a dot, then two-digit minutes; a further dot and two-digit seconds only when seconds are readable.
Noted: 6.10
